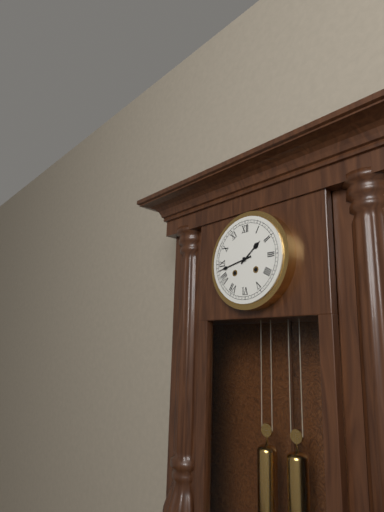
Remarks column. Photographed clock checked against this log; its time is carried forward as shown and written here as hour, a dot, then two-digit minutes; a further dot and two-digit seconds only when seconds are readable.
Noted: 1.43
